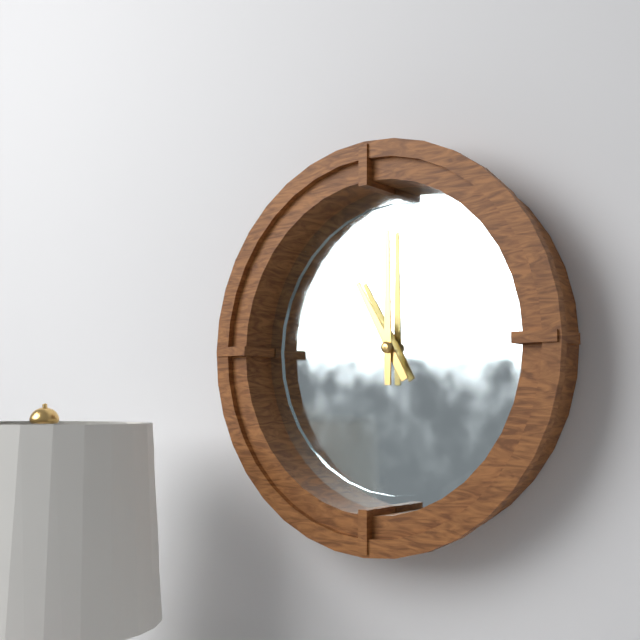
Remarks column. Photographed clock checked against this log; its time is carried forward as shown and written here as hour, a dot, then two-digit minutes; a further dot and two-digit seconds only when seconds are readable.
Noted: 11.00
